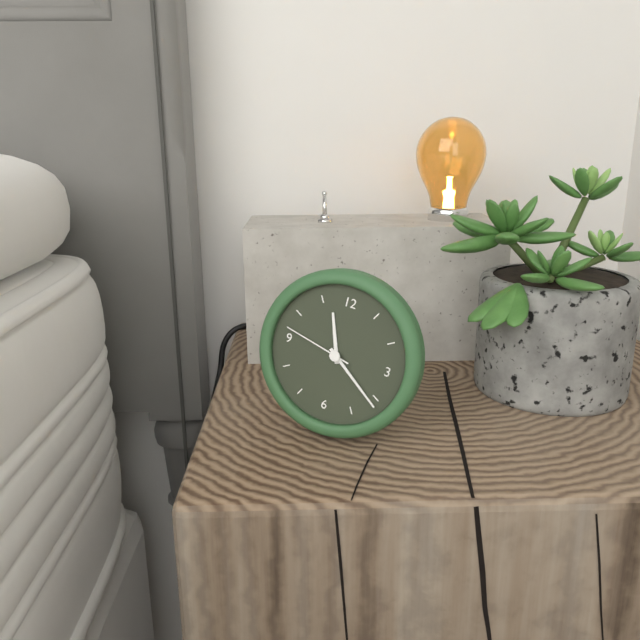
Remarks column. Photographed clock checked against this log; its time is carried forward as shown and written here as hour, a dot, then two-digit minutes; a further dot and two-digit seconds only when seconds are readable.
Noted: 11.21.47
